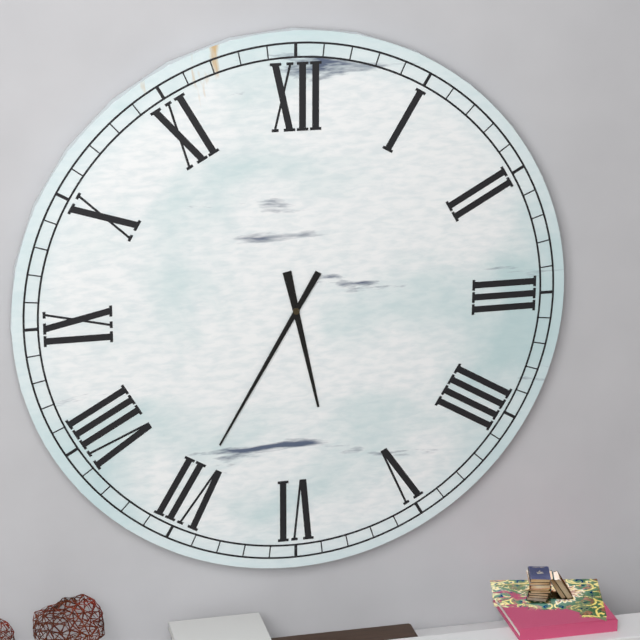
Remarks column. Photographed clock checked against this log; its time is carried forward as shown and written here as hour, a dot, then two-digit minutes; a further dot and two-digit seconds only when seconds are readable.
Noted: 5.35
